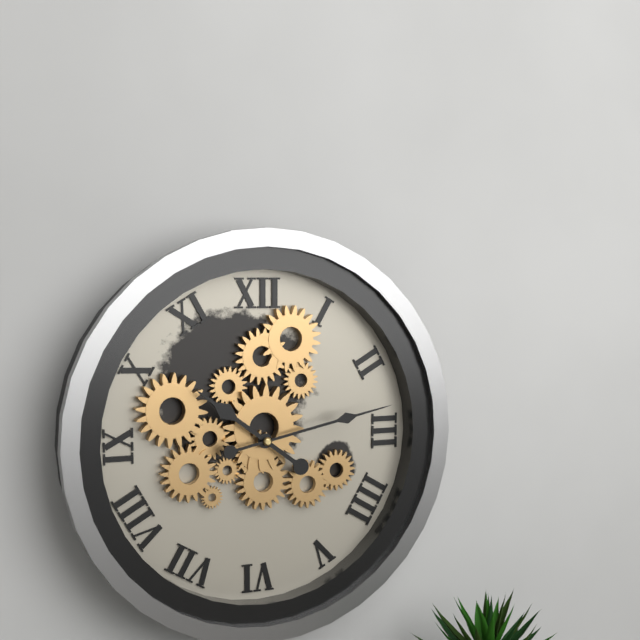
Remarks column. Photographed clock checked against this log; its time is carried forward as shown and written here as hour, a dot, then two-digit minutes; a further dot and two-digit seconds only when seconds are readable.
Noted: 10.13
